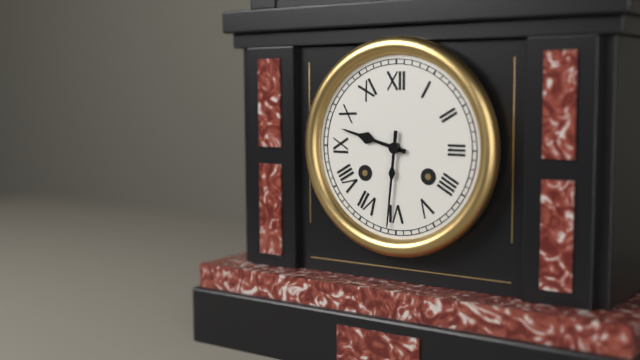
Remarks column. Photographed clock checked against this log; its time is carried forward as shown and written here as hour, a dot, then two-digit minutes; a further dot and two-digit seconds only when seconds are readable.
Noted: 9.31
